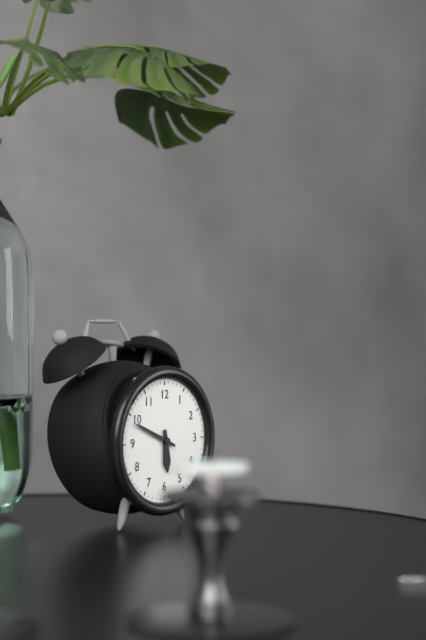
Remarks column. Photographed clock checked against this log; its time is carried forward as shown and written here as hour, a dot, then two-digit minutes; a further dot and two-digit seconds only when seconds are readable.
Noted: 5.49
